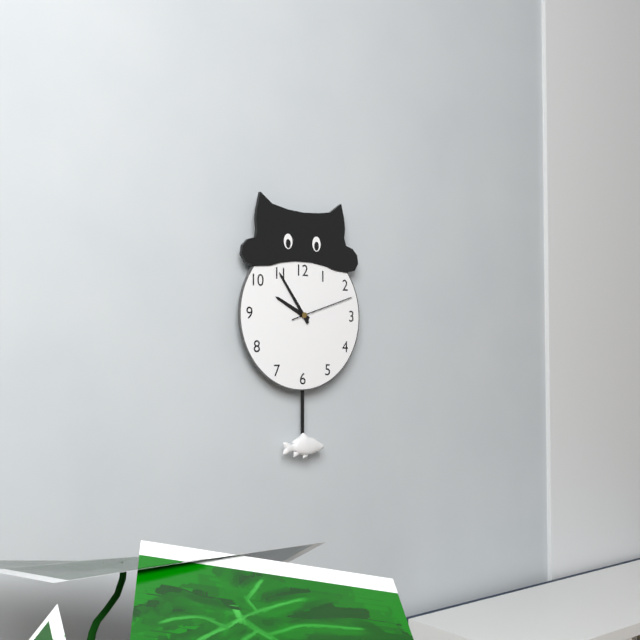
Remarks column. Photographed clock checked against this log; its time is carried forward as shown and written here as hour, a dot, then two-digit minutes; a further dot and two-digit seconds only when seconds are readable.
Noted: 9.54.12
